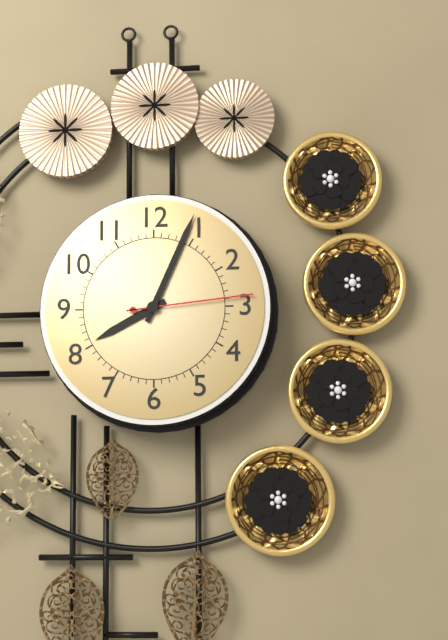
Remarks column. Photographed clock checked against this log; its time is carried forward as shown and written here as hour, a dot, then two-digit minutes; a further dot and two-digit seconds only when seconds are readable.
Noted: 8.04.14
